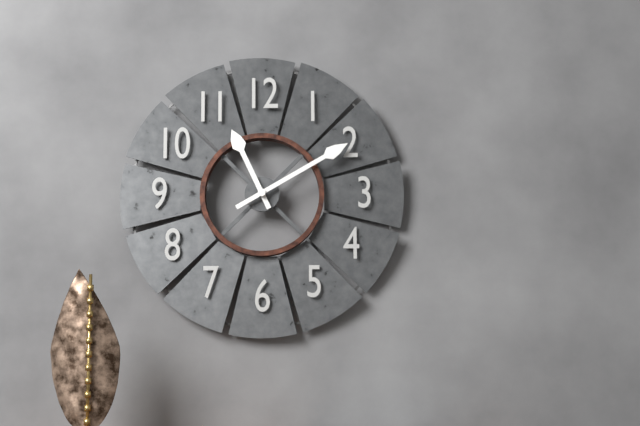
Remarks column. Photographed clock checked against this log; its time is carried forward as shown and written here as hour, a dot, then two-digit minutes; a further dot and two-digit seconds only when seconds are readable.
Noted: 11.10
